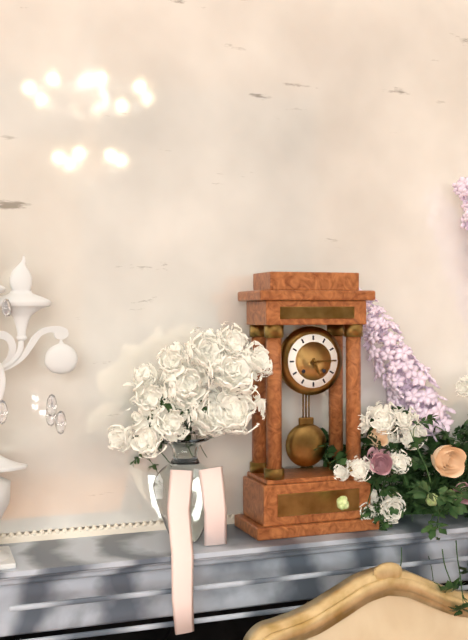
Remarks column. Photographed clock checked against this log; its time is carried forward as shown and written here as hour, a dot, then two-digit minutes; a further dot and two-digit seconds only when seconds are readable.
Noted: 5.15
